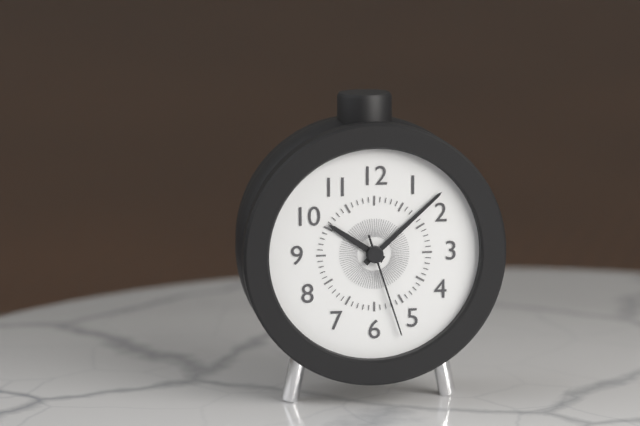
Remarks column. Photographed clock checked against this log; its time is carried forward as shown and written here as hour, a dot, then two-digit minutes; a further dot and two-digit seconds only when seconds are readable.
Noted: 10.08.27
